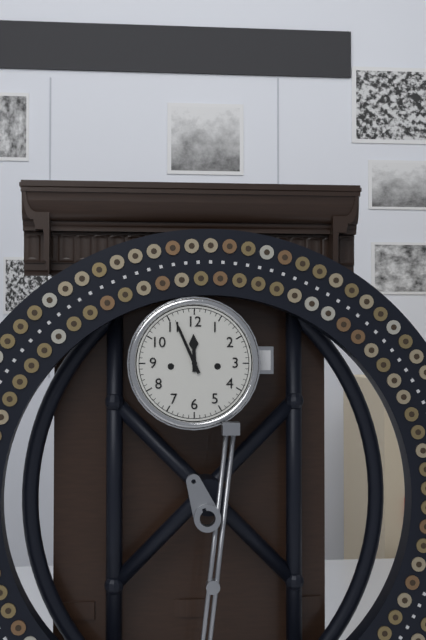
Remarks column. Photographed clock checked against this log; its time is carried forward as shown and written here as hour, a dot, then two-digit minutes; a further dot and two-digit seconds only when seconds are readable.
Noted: 11.56
